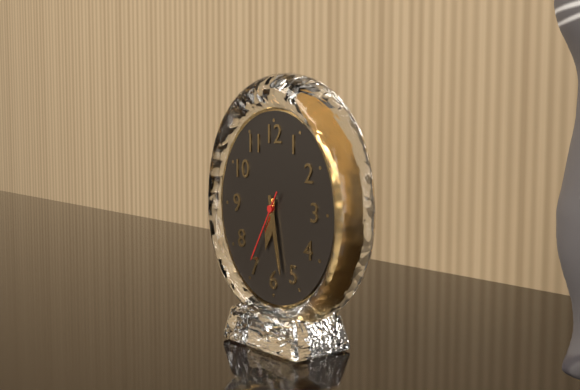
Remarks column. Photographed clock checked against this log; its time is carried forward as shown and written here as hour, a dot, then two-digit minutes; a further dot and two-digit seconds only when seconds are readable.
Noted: 6.28.35
